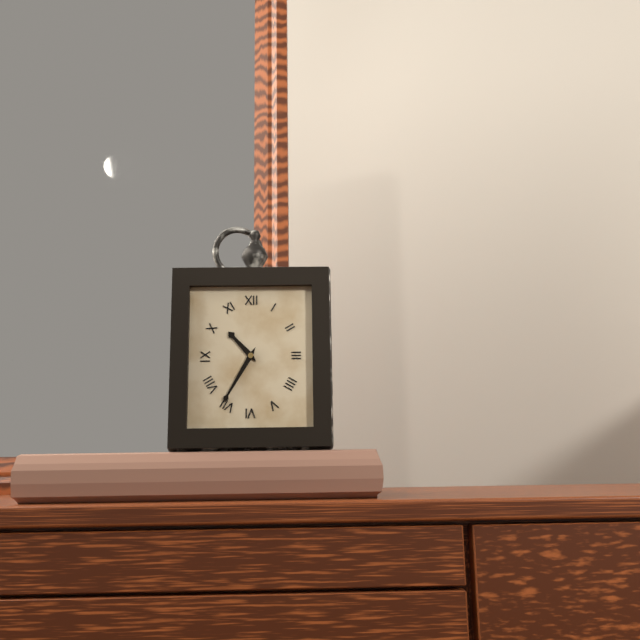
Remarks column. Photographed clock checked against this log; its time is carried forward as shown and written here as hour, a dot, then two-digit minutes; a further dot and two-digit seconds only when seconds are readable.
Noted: 10.35
